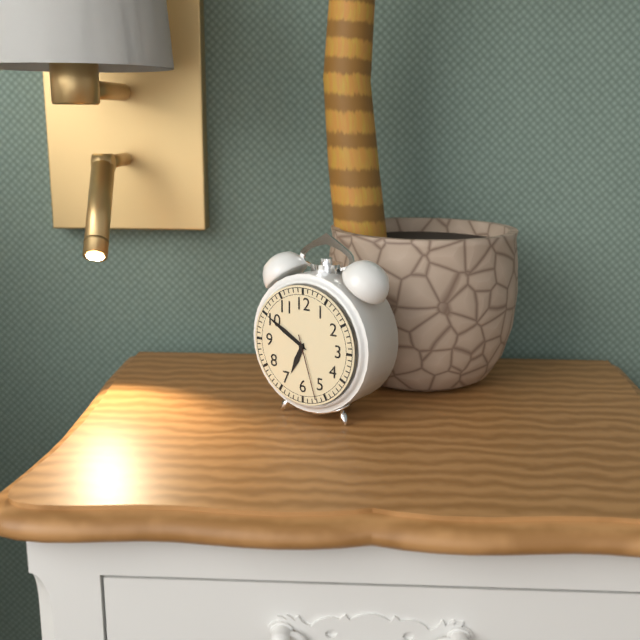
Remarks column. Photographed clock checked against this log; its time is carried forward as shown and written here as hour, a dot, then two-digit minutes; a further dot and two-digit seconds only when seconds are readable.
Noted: 6.50.27
